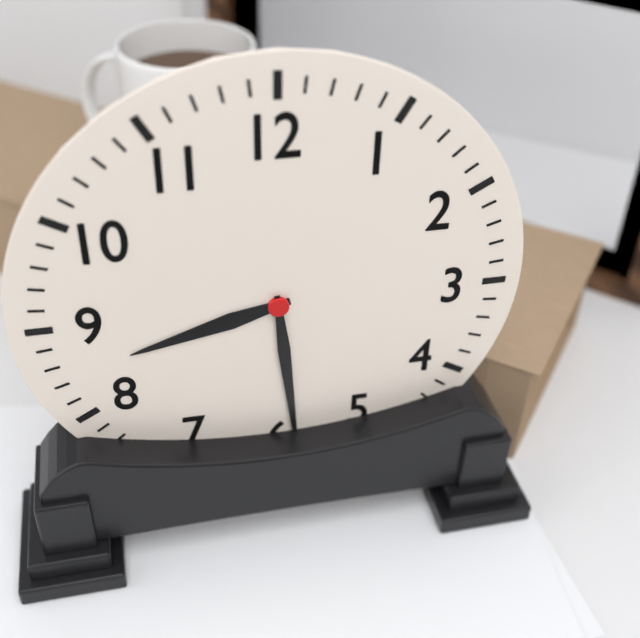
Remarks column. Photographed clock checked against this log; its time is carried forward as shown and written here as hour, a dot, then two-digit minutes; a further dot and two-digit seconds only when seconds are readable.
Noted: 8.29
